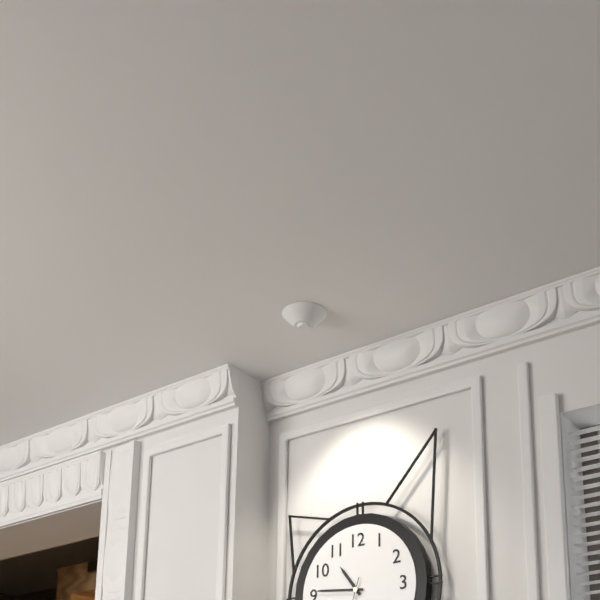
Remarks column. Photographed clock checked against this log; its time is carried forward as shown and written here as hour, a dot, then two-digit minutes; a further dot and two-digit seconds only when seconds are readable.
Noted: 10.46
